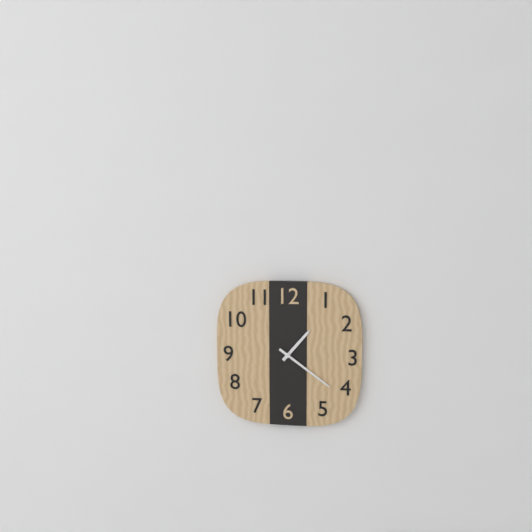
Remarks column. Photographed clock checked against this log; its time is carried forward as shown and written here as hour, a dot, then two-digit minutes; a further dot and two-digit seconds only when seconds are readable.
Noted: 1.21
